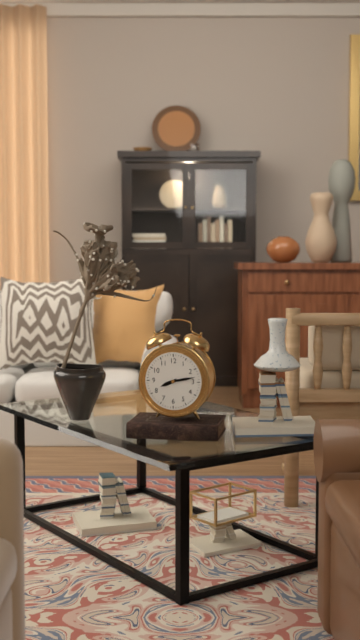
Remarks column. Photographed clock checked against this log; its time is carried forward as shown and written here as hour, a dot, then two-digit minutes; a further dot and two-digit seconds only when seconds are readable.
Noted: 8.13
